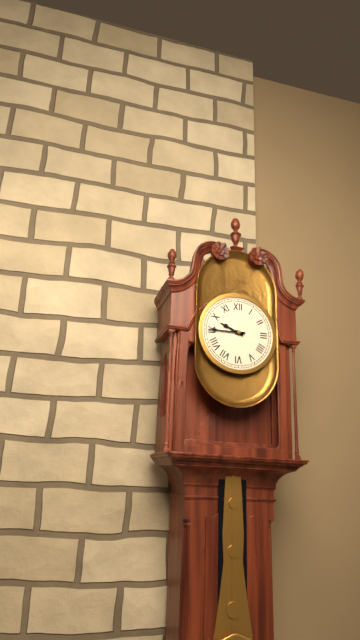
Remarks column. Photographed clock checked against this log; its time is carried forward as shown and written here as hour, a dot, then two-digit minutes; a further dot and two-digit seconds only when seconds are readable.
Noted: 9.45
